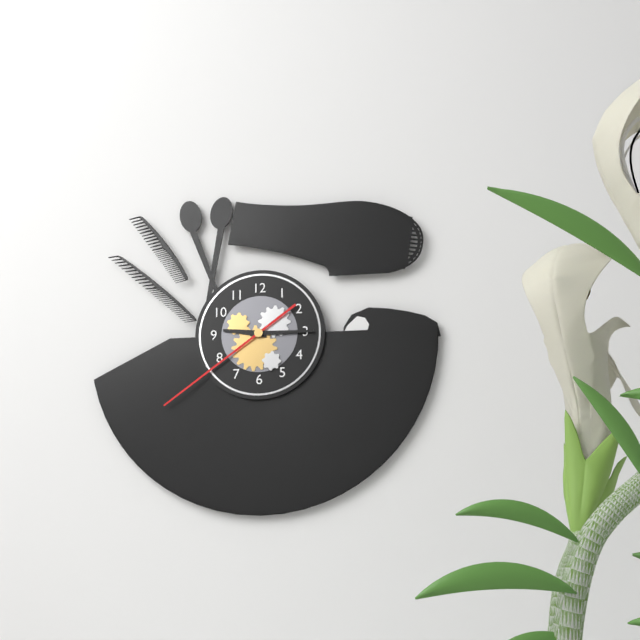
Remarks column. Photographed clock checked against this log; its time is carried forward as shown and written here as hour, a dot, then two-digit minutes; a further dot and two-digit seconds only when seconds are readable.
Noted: 9.15.39
